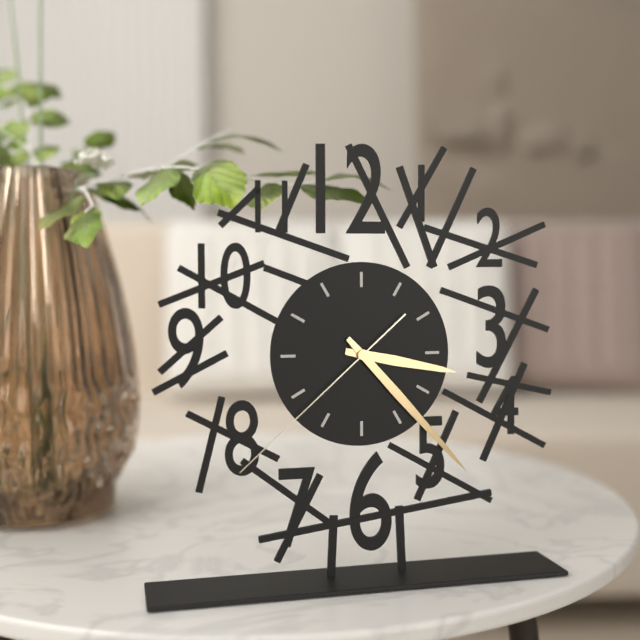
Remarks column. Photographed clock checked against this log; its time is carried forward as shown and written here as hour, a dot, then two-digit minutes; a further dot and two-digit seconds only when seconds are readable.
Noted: 3.23.38
